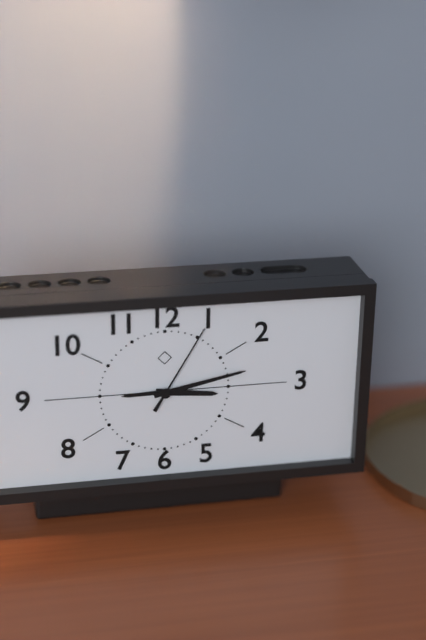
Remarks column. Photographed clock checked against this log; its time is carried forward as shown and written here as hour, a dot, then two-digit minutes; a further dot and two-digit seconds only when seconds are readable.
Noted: 3.13.05
